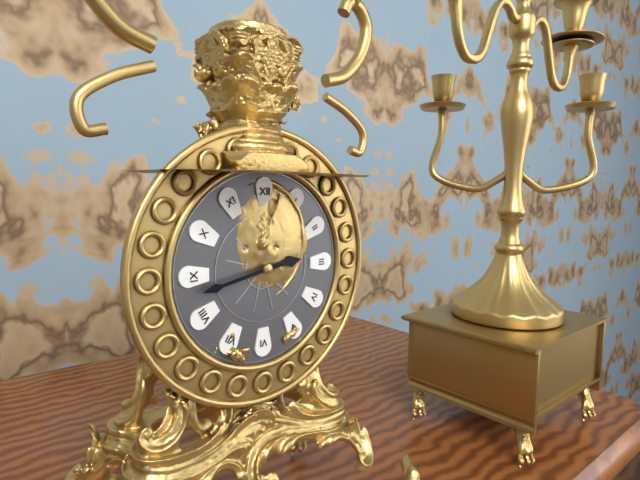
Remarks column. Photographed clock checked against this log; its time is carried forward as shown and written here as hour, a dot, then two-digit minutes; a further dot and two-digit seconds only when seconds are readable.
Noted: 2.43
